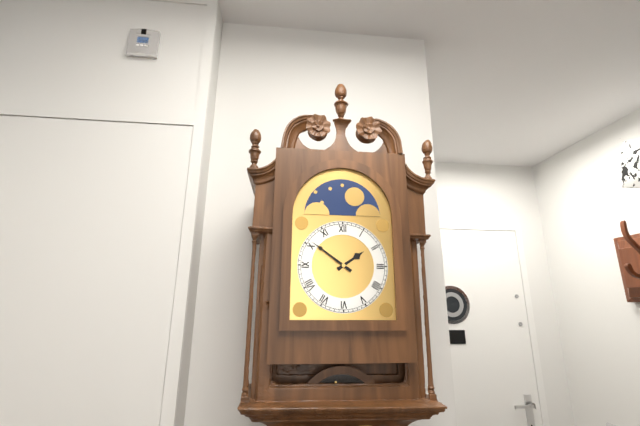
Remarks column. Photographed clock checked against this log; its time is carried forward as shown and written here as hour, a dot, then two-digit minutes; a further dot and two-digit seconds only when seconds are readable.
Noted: 1.51
